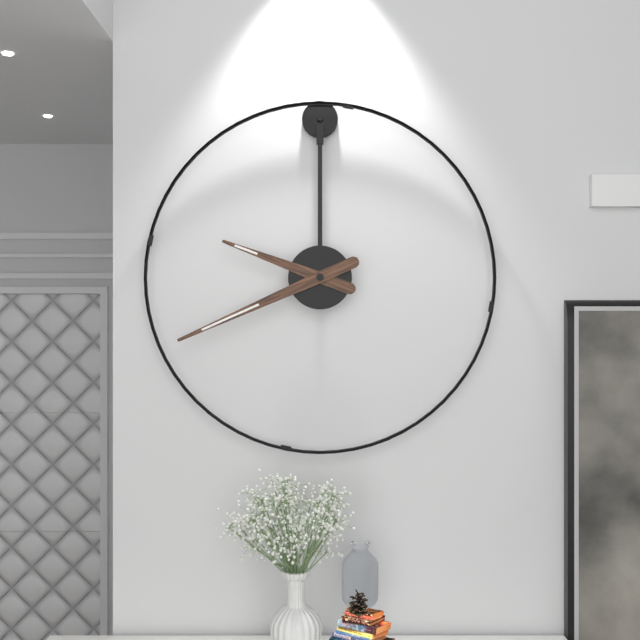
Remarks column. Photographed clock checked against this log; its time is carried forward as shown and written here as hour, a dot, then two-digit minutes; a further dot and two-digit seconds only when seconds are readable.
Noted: 9.41
